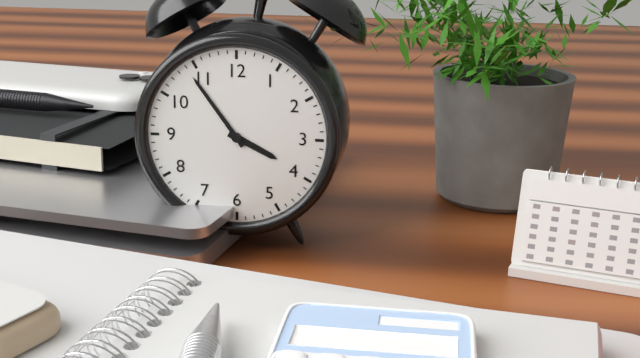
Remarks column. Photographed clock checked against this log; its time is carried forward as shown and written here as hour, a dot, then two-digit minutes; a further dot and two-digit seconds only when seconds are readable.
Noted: 3.54
